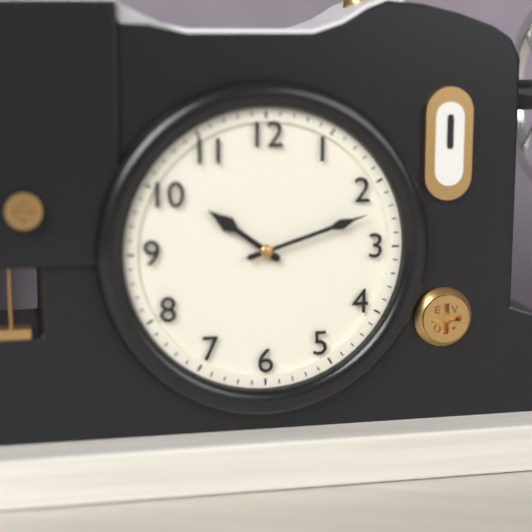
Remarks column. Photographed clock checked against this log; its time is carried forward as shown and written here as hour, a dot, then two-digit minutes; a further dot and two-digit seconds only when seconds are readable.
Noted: 10.12
